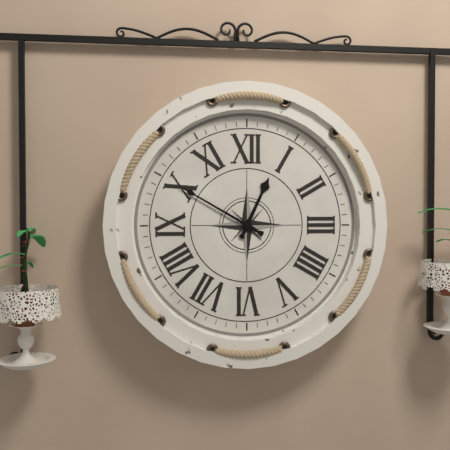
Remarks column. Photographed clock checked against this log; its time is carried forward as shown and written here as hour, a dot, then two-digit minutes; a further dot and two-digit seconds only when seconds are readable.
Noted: 12.50
